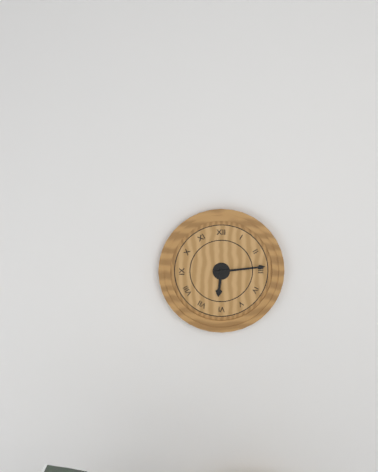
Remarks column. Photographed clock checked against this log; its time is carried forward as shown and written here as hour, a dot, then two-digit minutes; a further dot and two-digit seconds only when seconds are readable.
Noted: 6.14
